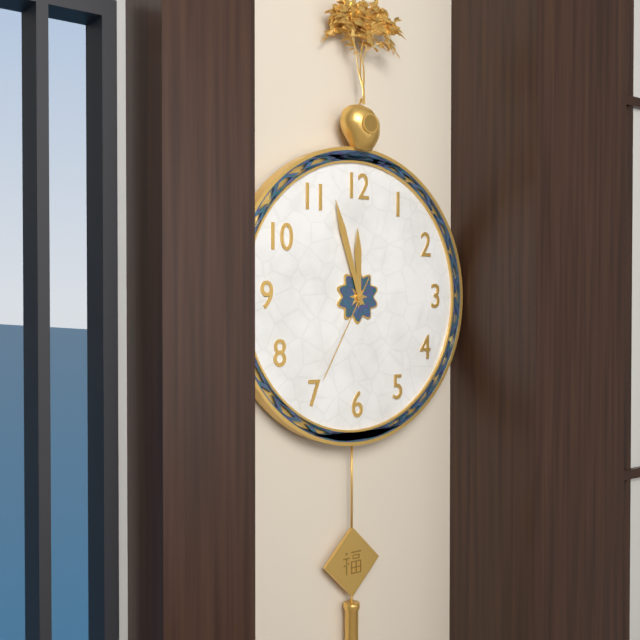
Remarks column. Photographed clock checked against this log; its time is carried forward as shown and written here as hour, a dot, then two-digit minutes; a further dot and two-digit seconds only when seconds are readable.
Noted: 11.57.35
